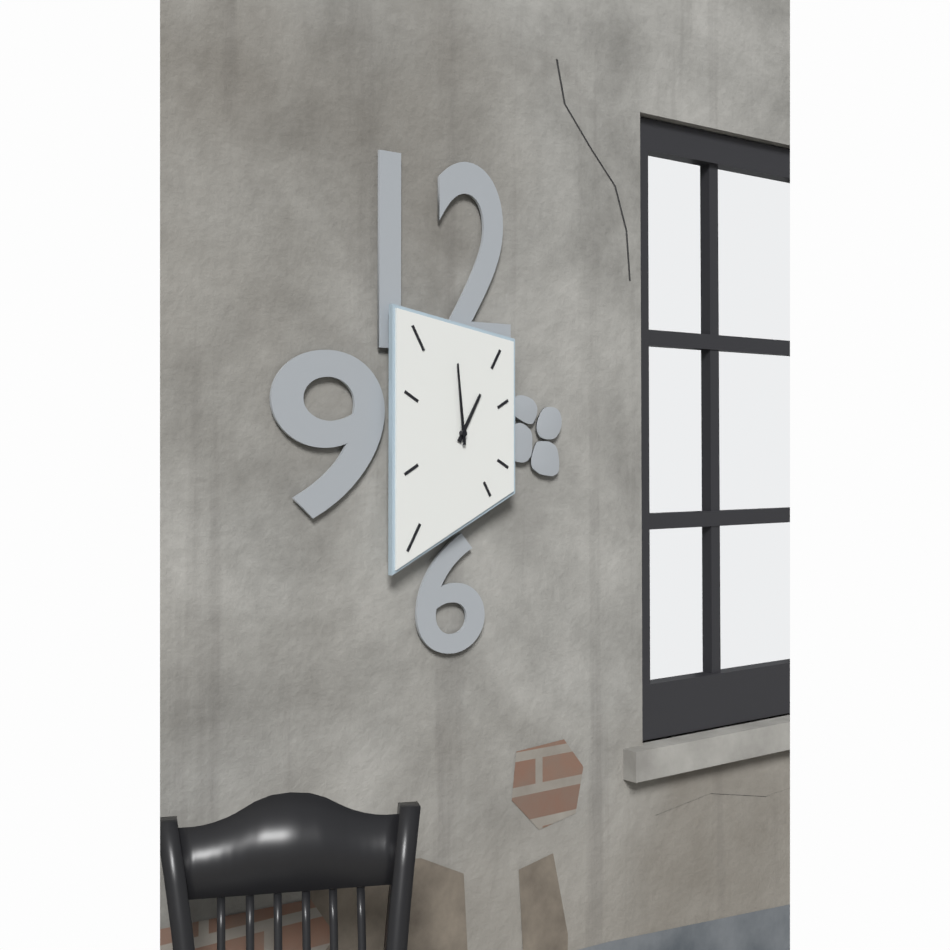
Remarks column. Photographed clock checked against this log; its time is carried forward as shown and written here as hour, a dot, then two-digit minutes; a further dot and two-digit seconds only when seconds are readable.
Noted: 12.59
